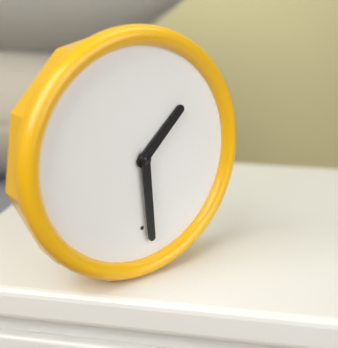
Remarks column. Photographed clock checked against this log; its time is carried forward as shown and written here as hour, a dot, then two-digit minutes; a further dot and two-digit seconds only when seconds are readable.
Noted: 1.29
